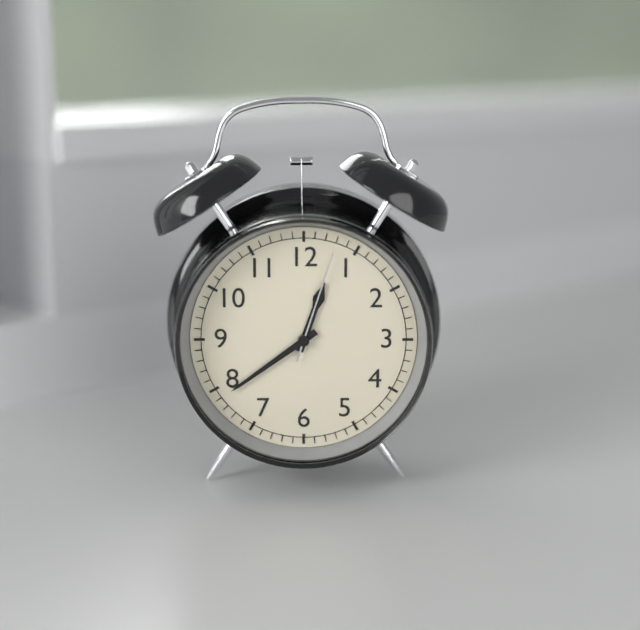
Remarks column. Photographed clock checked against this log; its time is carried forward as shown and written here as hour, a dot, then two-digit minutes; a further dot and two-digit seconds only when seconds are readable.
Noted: 12.39.03
